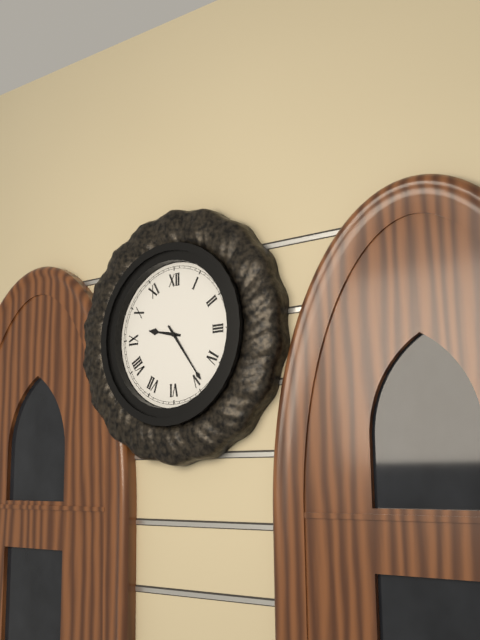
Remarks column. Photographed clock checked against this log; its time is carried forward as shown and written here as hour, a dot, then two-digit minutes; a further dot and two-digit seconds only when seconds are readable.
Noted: 9.24
